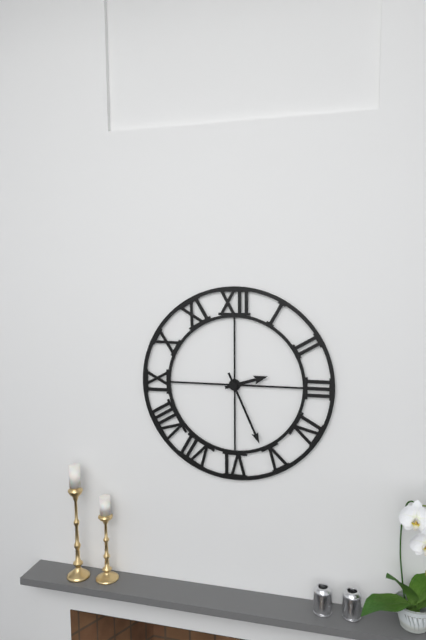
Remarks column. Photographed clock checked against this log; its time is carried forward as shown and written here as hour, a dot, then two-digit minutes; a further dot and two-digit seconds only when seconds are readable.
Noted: 2.26
